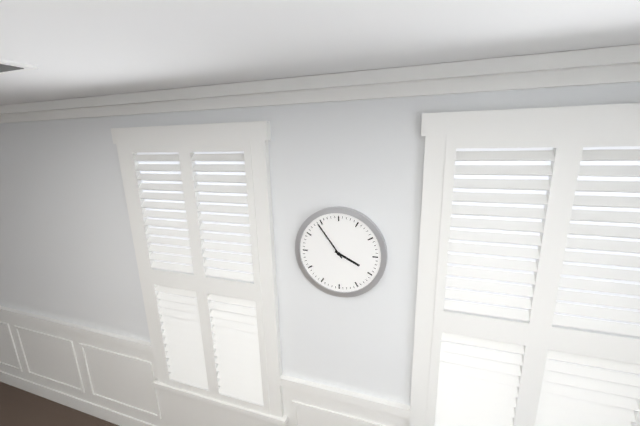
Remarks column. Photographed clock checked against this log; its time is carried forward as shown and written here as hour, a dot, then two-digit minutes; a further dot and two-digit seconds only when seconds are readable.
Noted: 3.54
